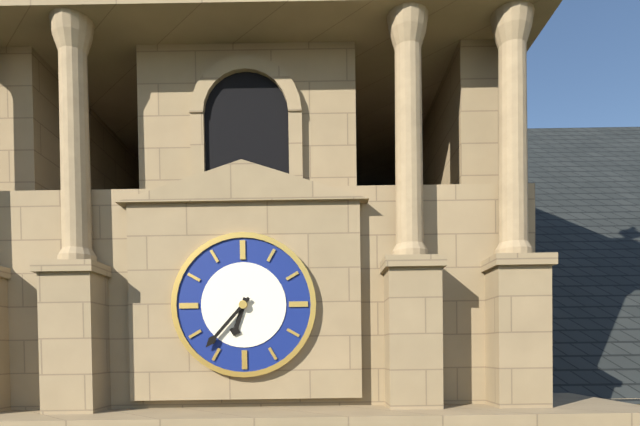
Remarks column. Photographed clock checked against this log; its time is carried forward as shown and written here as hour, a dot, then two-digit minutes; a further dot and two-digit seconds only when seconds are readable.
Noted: 6.37
